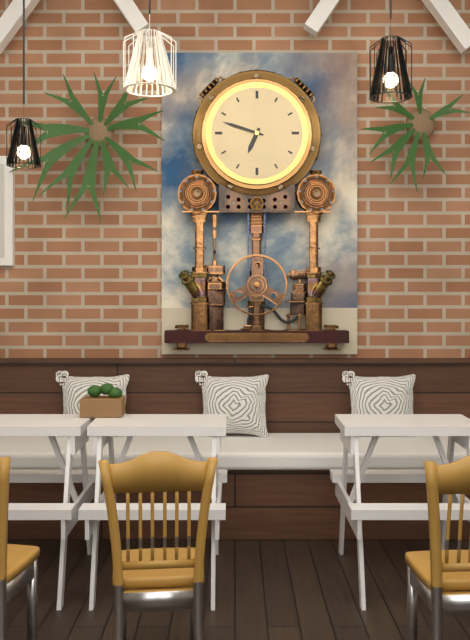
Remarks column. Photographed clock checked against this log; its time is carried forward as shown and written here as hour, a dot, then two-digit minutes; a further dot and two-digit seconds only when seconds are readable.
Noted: 6.48
